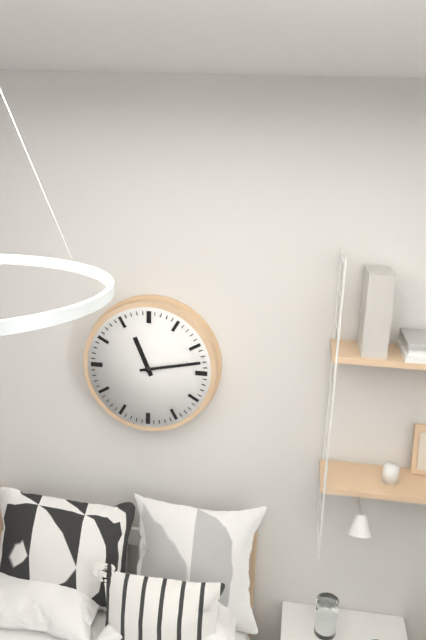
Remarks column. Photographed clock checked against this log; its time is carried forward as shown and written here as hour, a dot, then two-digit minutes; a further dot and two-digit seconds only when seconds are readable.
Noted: 11.13
